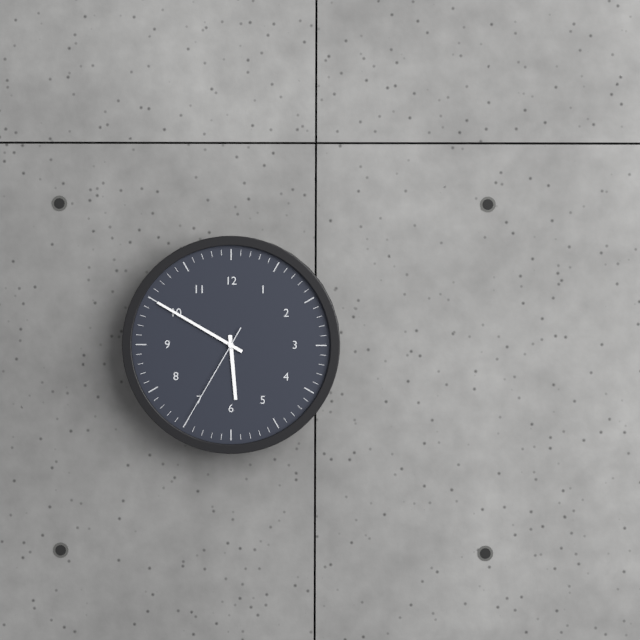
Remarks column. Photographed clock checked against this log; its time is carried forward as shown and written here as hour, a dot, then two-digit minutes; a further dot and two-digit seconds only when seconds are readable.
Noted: 5.50.35
